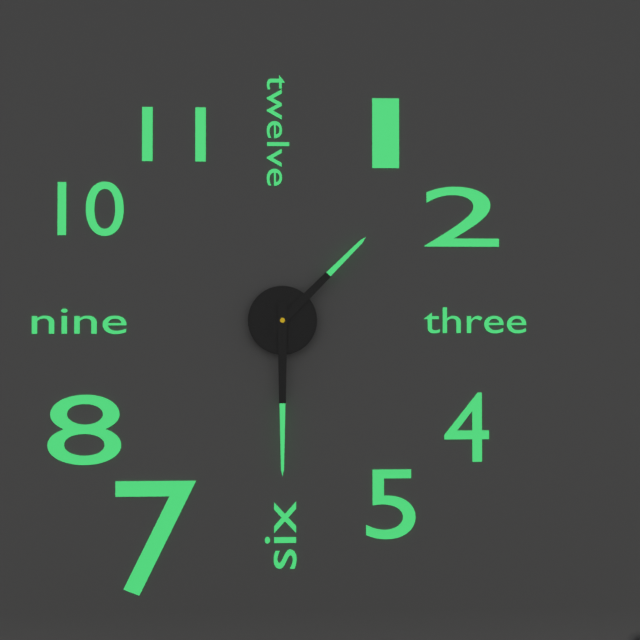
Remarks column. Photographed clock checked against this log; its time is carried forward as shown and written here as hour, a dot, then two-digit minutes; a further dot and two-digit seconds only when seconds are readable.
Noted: 1.30
